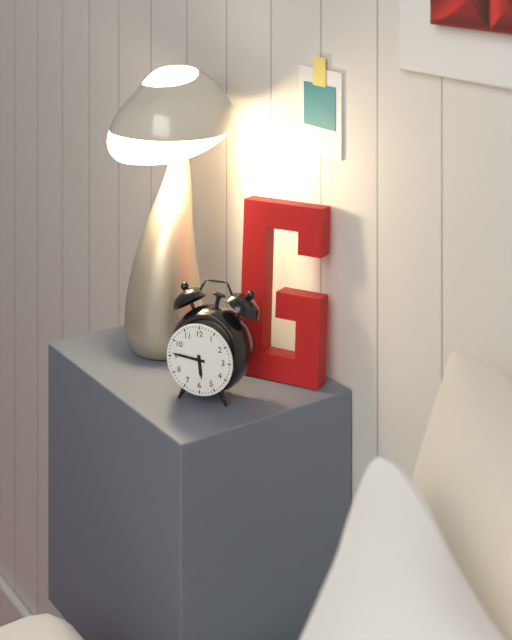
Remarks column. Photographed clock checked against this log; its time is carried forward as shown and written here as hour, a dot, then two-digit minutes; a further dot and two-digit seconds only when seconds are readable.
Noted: 5.46
